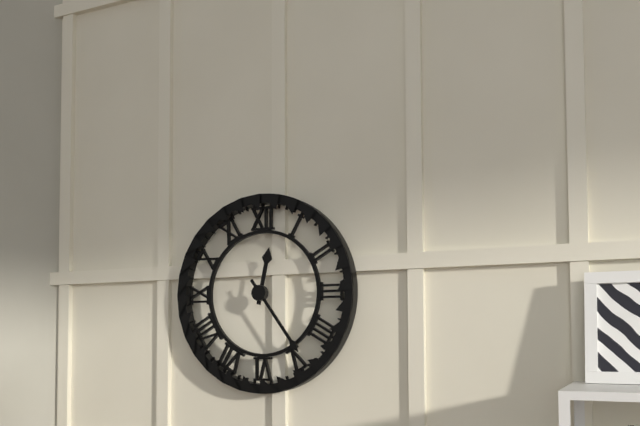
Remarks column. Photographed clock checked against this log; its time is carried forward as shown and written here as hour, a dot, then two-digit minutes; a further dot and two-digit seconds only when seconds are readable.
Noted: 12.24
